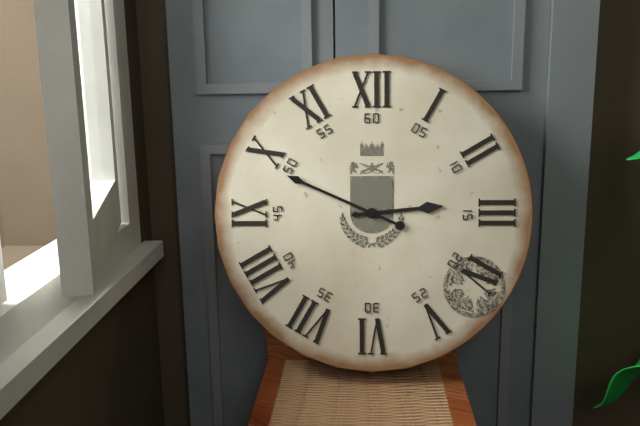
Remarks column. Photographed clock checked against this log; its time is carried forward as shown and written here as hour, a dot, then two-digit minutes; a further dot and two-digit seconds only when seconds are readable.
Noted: 2.49
